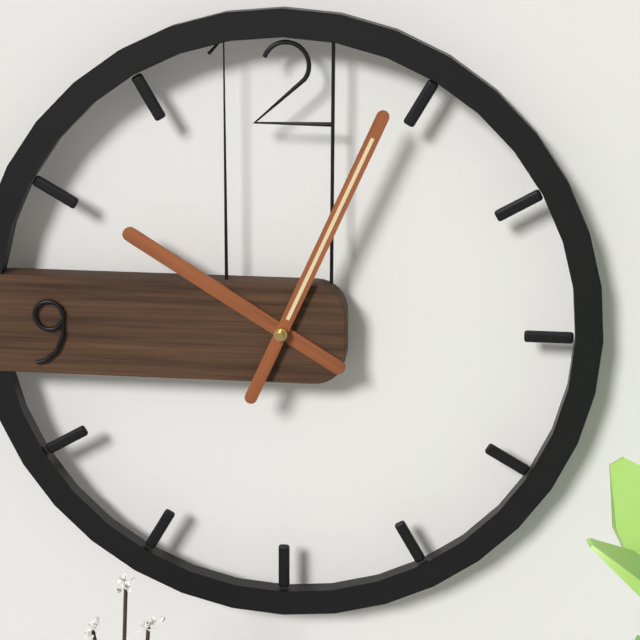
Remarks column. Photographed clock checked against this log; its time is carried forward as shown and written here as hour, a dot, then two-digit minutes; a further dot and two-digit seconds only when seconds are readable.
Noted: 10.04
